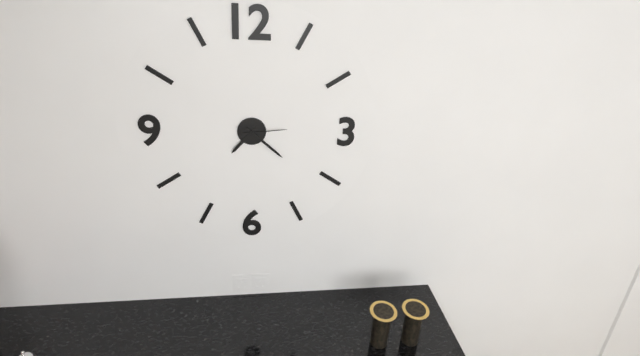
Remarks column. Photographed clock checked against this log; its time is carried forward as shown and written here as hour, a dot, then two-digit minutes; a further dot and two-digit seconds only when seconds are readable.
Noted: 7.22
